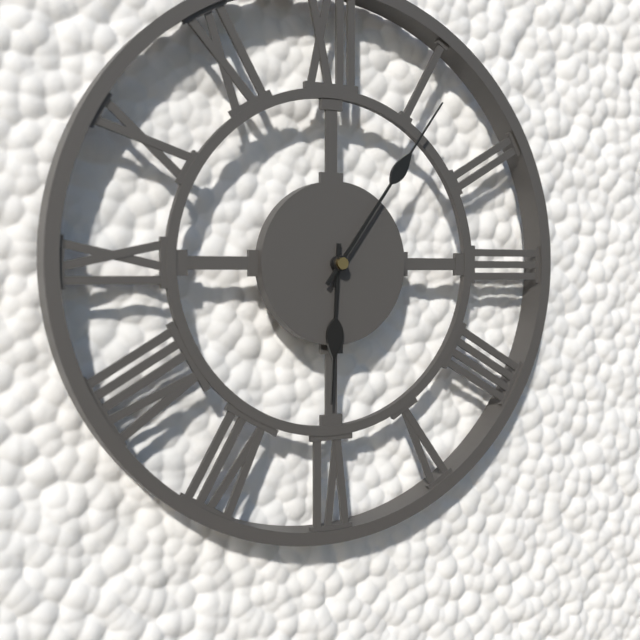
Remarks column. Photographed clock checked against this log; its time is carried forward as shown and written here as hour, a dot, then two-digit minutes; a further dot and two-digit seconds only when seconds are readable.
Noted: 6.06
